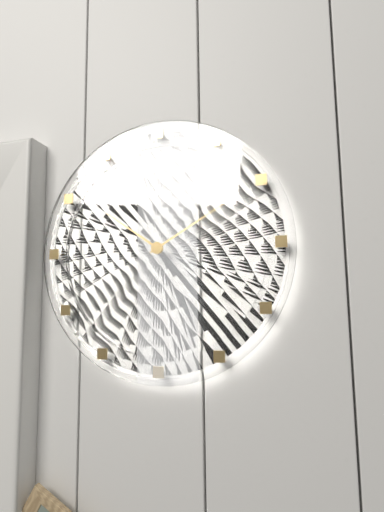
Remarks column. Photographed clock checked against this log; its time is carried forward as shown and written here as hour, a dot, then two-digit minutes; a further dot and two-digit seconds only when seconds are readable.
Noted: 10.10
